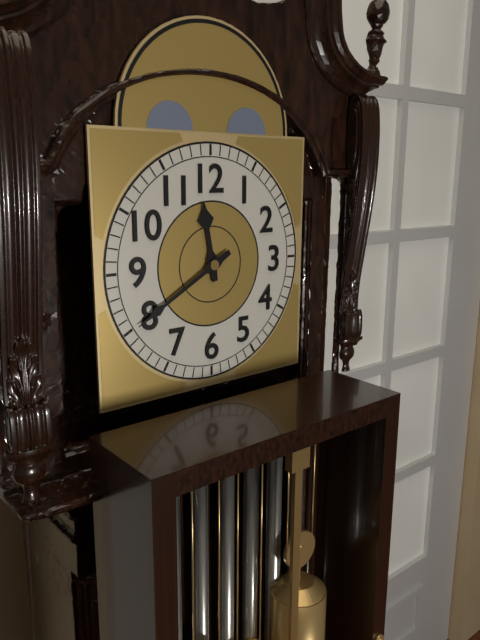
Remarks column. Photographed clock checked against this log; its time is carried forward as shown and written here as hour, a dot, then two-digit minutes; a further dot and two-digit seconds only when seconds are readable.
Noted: 11.40
